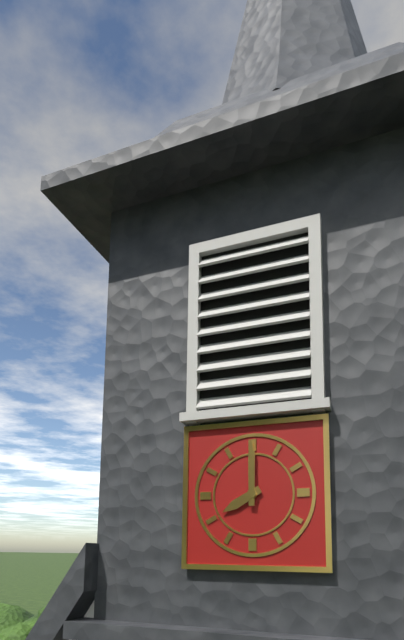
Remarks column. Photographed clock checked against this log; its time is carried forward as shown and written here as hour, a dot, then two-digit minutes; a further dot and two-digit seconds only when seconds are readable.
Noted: 8.00
